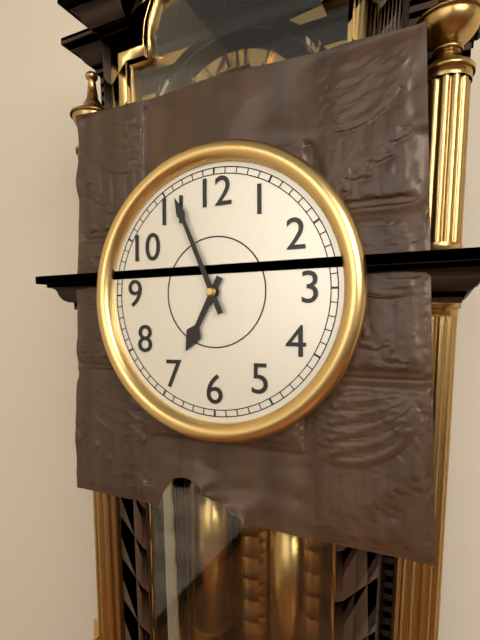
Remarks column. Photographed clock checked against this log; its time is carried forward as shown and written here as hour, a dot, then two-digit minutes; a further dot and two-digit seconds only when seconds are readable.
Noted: 6.56
